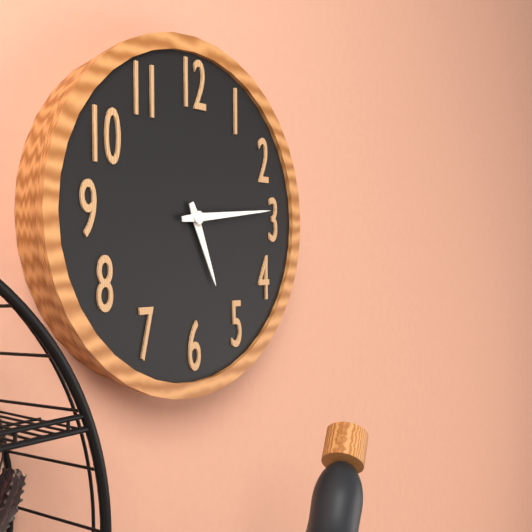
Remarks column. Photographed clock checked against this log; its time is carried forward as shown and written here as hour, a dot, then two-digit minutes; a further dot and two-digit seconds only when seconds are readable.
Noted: 5.14
